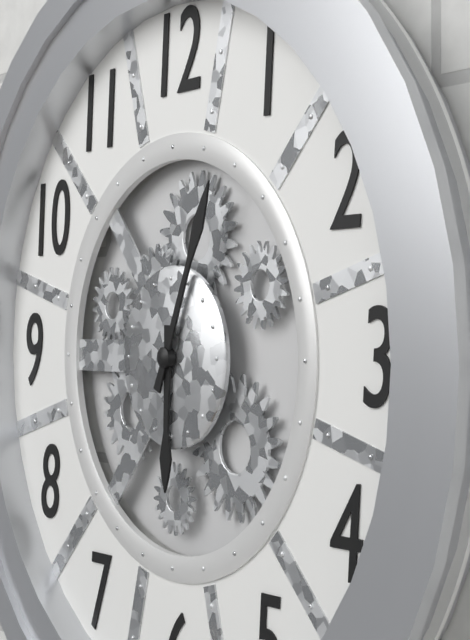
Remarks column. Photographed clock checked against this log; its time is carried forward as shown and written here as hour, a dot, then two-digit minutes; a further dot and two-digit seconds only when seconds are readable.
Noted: 6.04
